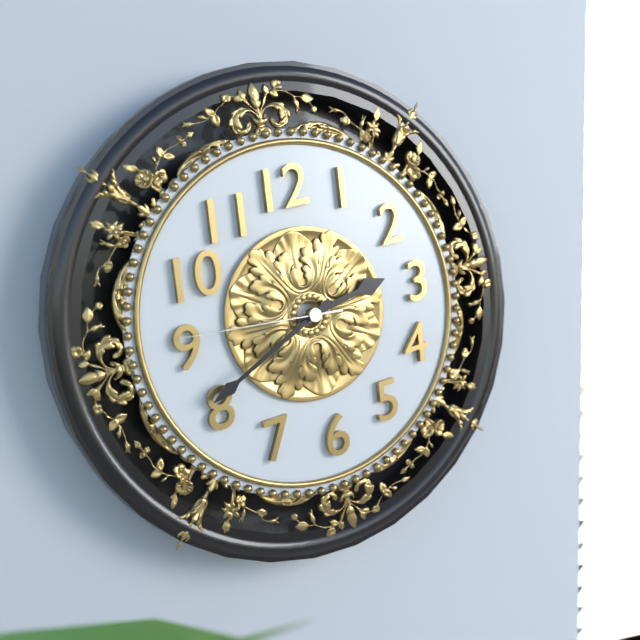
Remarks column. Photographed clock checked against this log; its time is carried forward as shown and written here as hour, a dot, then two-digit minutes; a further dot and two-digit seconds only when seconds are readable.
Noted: 2.41.46
